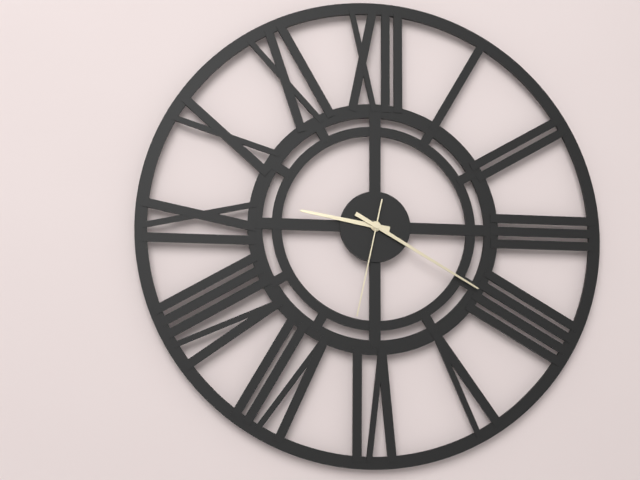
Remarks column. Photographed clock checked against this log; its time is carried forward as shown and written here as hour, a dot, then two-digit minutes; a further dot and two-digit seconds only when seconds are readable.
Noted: 9.20.32
